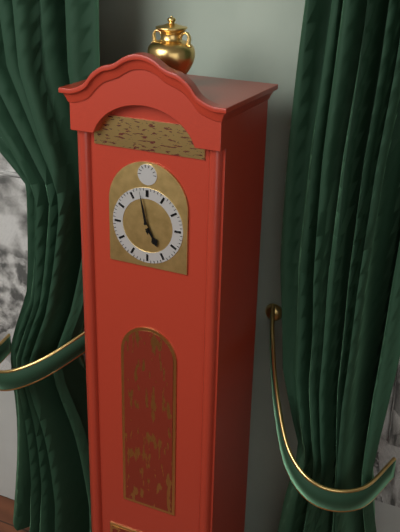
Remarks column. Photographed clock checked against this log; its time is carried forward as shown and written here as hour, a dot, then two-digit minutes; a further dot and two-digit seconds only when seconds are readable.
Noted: 4.58
